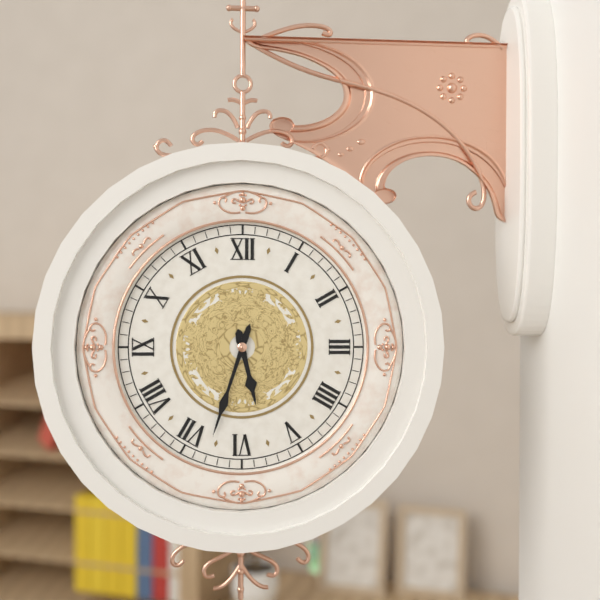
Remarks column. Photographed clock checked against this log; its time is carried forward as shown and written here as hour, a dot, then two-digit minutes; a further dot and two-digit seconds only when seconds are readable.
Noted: 5.33
